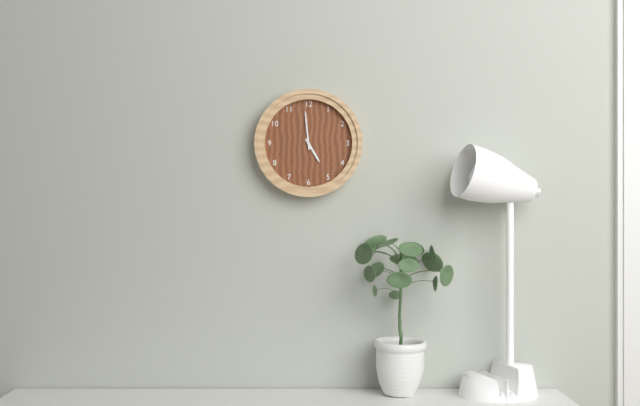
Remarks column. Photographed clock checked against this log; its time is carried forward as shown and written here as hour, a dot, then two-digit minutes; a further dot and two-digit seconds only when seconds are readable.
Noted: 4.59
